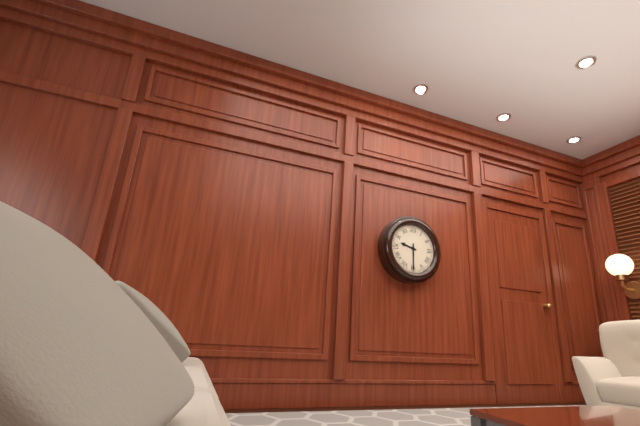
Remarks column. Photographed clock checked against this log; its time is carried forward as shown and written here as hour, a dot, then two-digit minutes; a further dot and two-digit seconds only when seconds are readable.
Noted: 9.30
